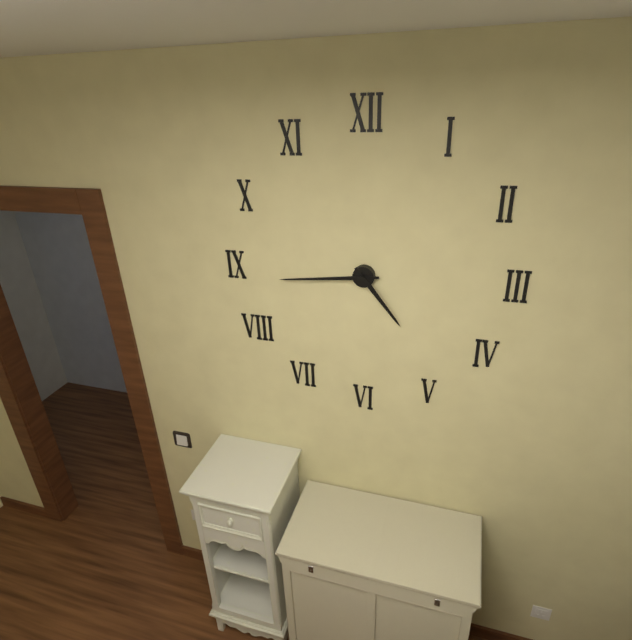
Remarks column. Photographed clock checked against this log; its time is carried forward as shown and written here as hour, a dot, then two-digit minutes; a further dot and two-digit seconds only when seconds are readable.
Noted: 4.44
